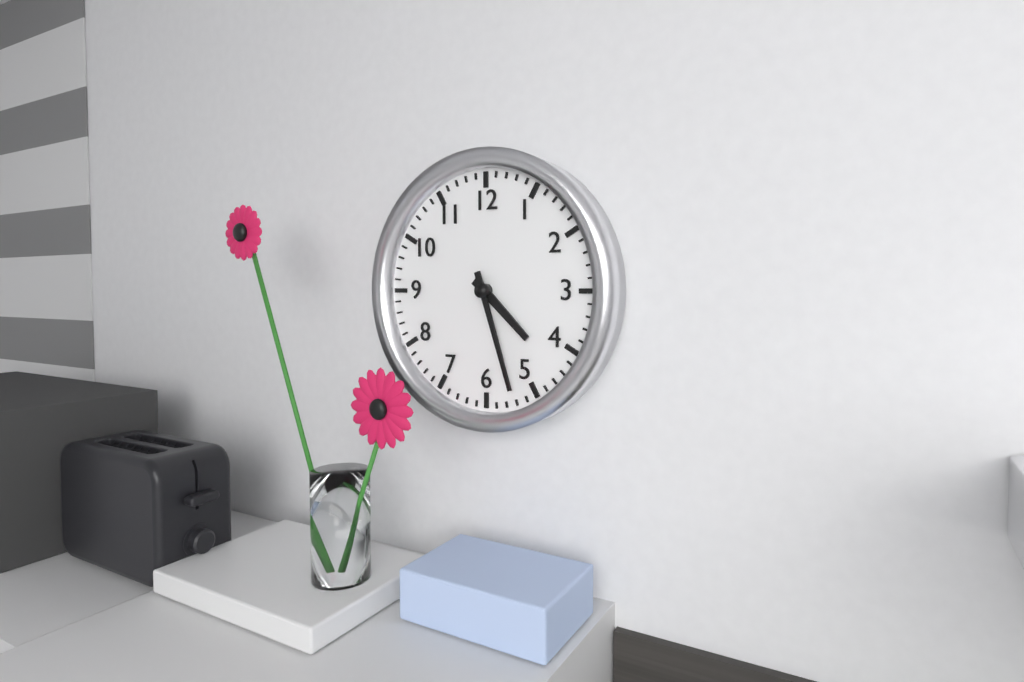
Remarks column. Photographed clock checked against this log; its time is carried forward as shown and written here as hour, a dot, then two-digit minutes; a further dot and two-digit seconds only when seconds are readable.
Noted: 4.27
